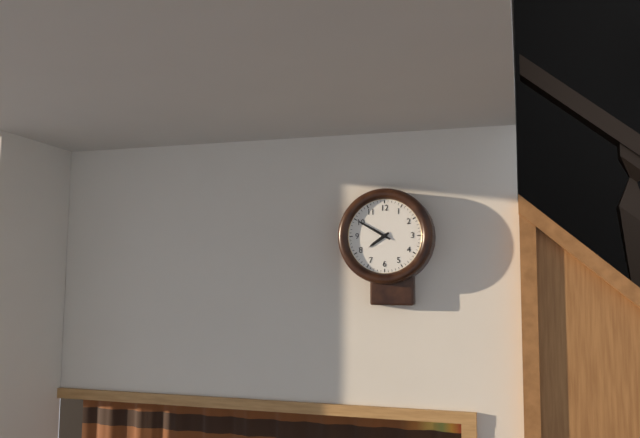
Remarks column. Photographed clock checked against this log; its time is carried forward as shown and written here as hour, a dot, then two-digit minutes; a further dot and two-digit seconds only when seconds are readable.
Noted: 7.50
